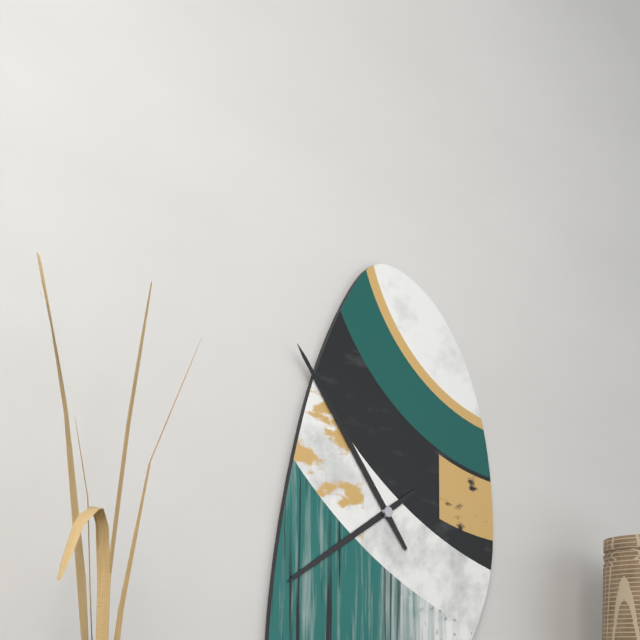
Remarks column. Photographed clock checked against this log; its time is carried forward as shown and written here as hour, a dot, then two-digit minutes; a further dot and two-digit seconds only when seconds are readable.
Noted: 7.54
